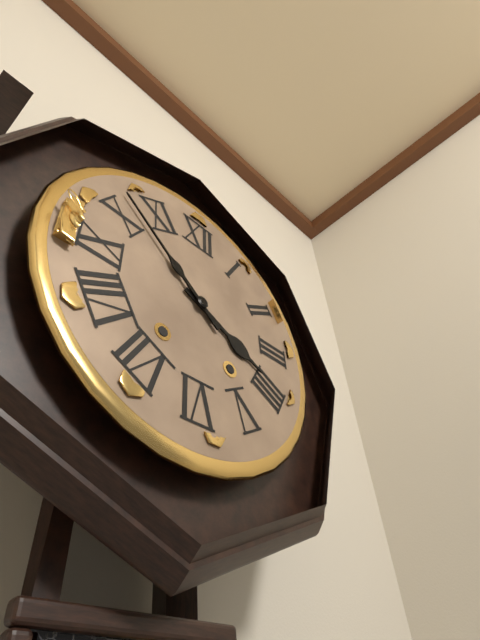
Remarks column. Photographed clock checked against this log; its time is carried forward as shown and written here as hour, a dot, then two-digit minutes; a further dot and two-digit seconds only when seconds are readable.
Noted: 3.52
